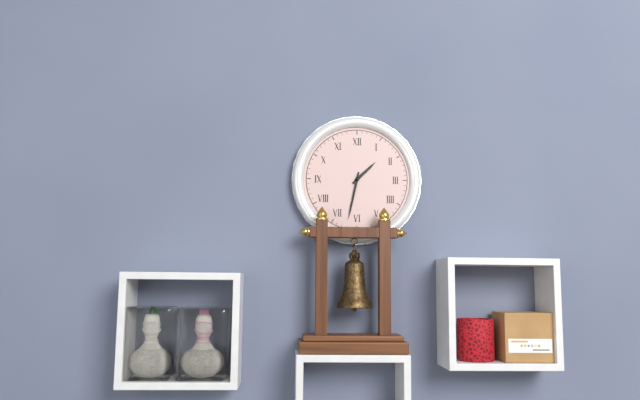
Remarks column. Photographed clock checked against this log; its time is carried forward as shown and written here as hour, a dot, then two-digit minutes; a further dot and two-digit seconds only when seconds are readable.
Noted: 1.32
